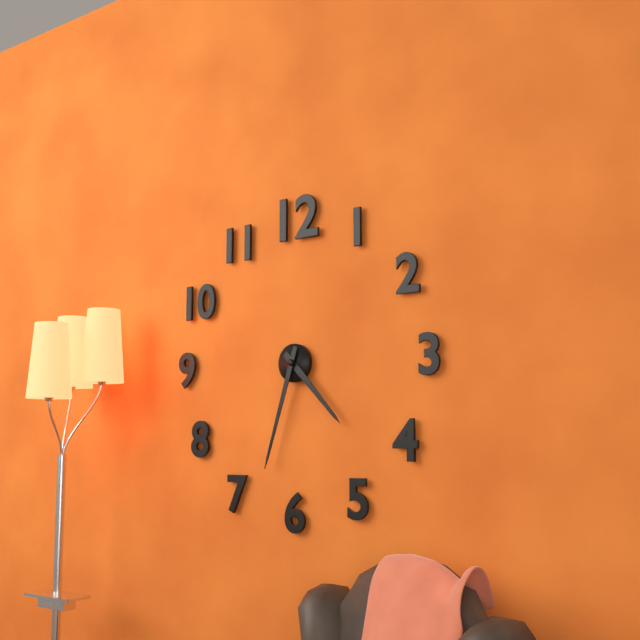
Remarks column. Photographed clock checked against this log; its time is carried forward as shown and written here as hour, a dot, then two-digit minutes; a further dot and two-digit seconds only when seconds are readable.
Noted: 4.33
